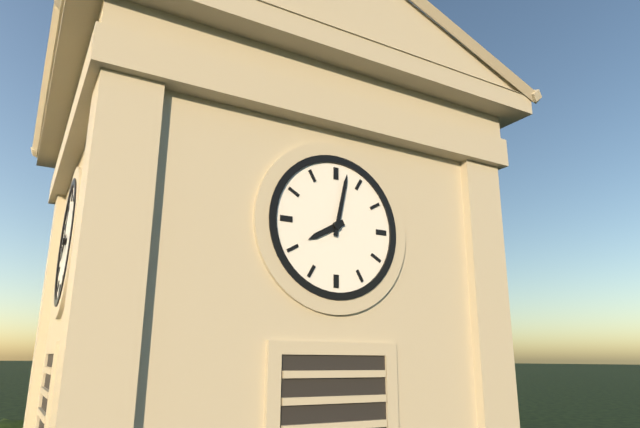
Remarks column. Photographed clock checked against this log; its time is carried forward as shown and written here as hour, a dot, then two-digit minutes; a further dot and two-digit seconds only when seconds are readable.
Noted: 8.02
